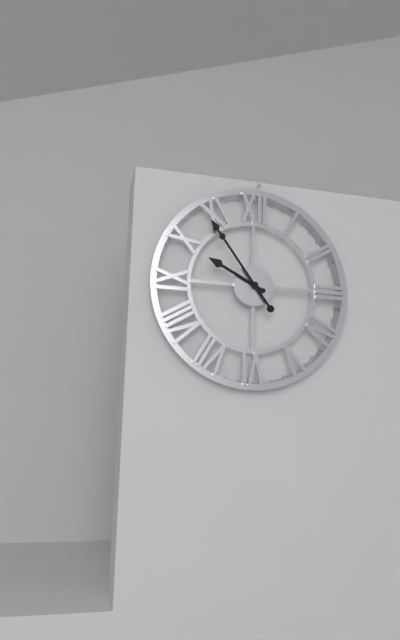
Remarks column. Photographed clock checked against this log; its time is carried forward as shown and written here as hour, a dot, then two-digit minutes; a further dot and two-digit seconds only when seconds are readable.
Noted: 9.54
